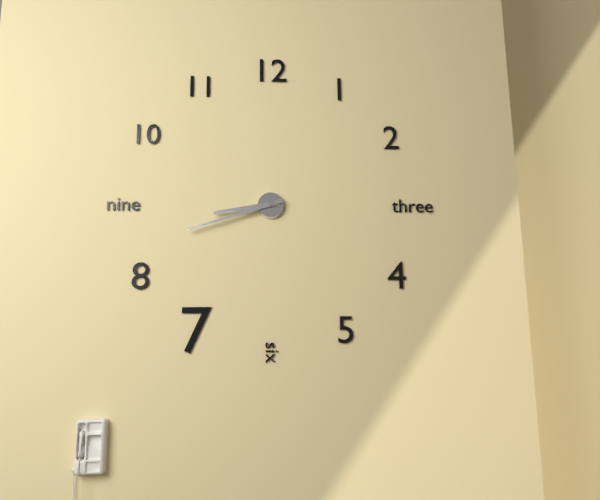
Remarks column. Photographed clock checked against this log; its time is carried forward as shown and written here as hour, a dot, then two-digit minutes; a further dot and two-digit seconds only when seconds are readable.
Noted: 8.42
